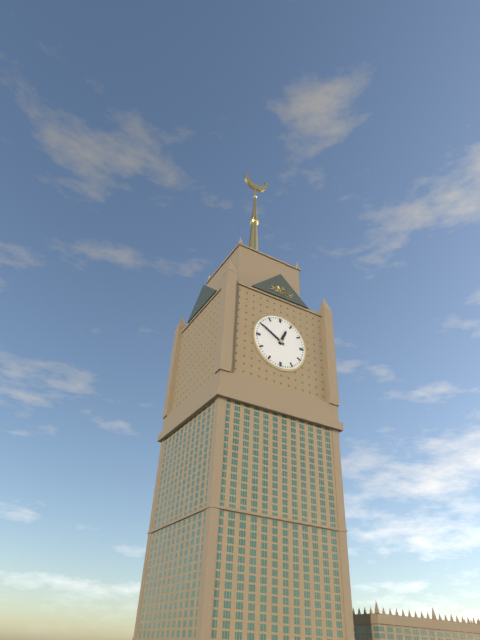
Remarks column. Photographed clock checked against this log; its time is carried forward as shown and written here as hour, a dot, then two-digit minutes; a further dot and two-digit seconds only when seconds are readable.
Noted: 12.50
